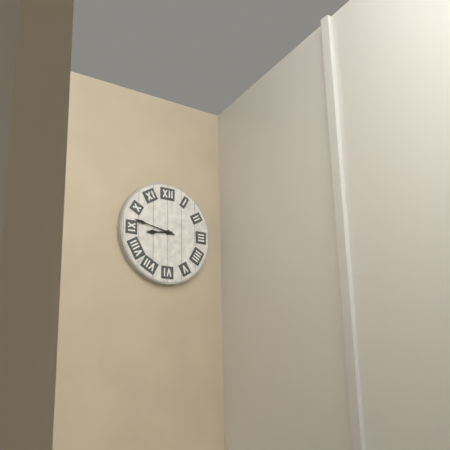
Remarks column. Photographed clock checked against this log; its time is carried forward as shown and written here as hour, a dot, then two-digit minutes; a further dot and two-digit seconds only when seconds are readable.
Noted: 8.47
